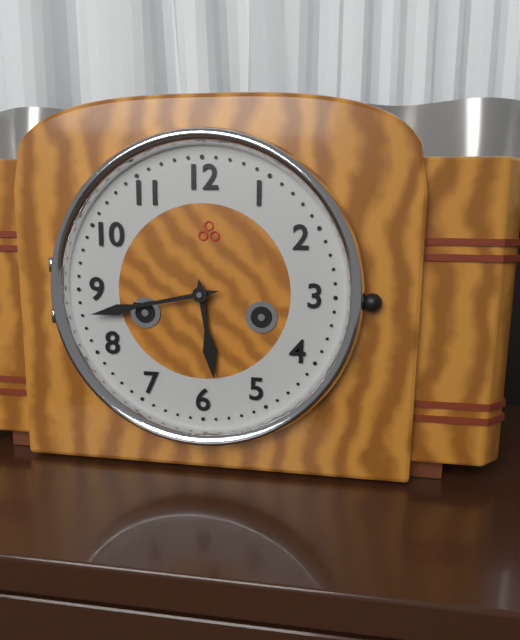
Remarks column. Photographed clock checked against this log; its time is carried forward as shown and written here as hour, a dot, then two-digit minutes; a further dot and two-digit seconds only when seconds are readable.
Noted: 5.43
